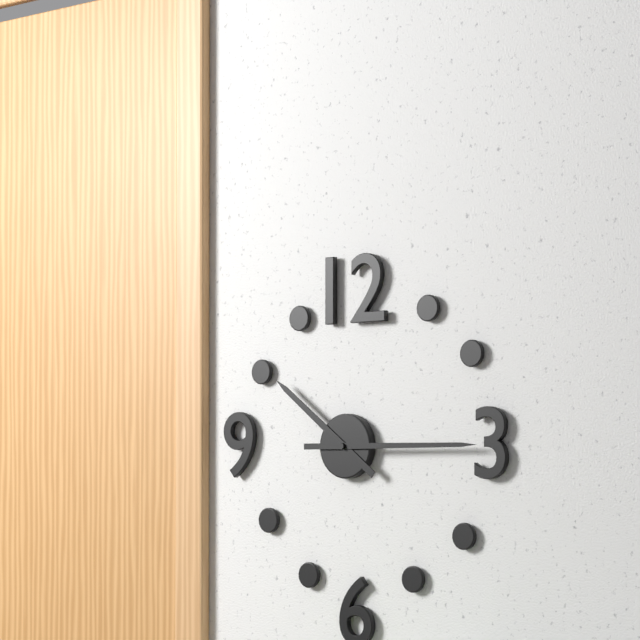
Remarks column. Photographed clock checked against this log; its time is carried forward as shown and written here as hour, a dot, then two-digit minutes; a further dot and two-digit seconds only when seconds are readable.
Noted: 10.15
